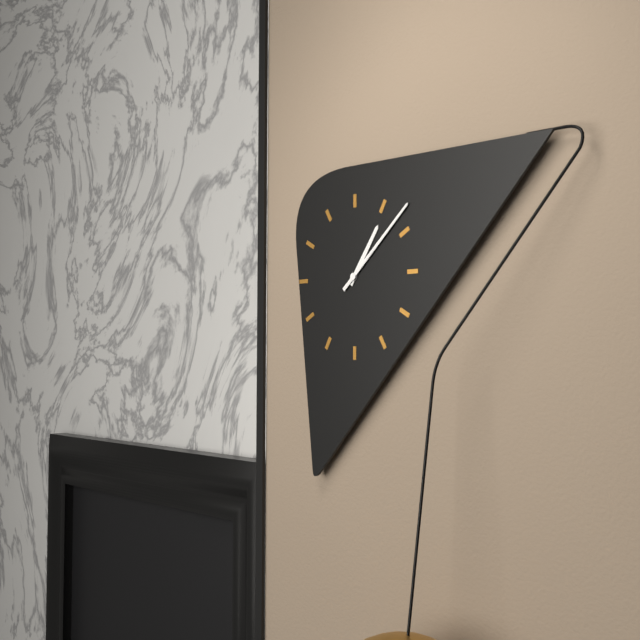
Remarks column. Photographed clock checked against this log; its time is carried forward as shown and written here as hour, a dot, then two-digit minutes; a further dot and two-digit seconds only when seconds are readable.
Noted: 1.08
